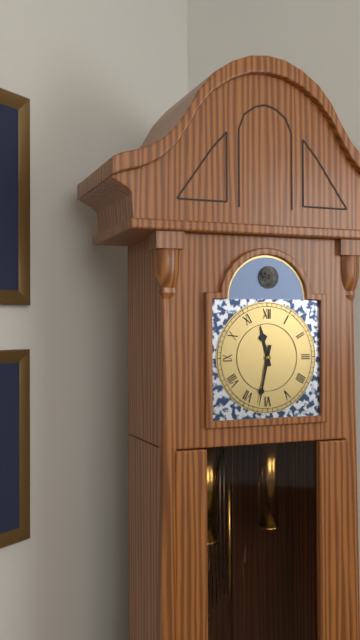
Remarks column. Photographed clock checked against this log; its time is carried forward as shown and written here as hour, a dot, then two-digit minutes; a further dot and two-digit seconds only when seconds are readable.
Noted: 11.32
